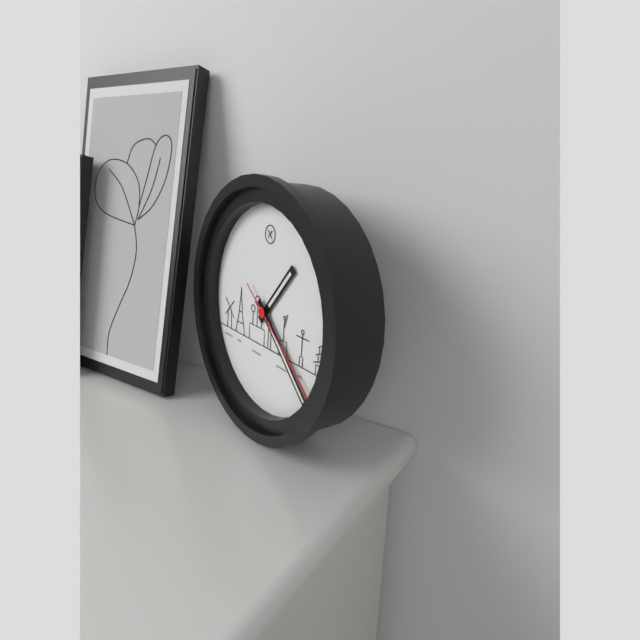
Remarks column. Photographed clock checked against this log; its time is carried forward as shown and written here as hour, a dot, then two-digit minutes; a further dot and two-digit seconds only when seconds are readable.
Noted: 1.22.21
